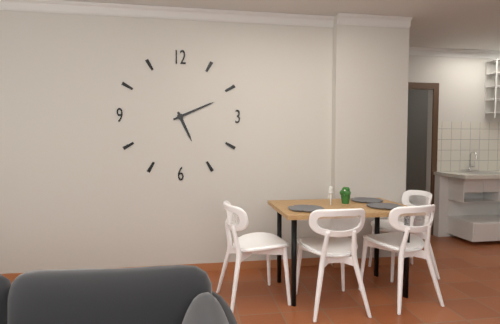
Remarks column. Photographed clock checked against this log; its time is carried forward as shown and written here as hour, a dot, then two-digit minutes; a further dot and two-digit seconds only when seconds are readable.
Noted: 5.11
